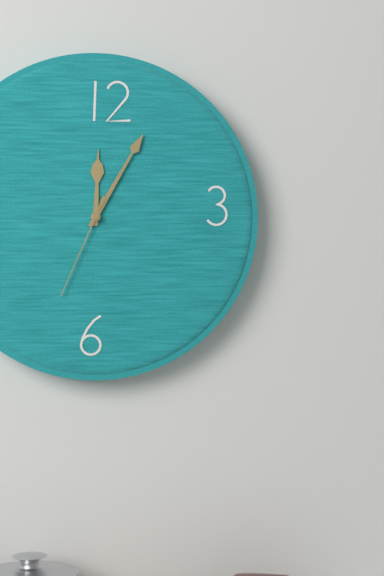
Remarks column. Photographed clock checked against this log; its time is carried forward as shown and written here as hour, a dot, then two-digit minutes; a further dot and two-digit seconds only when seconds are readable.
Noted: 12.05.34
